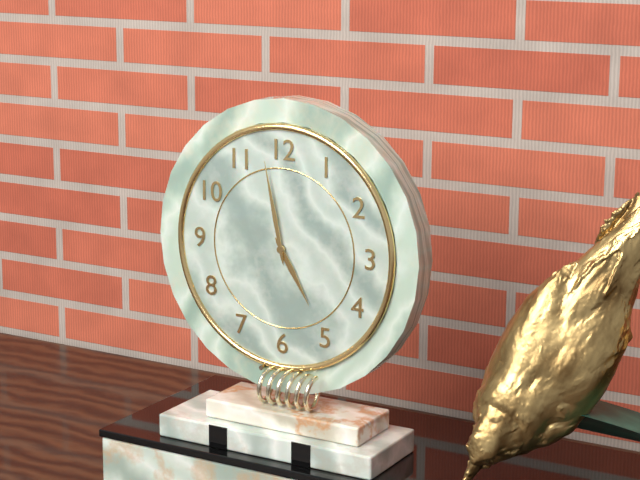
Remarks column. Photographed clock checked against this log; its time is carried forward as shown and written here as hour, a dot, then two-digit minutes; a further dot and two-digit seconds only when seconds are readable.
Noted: 4.58
